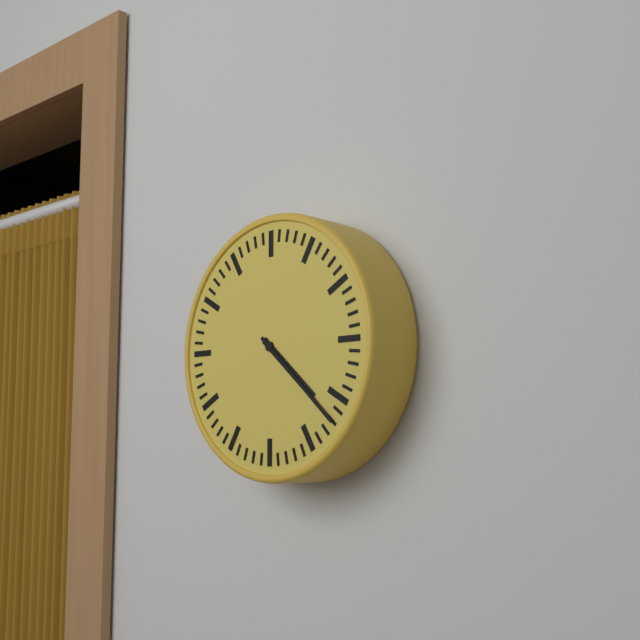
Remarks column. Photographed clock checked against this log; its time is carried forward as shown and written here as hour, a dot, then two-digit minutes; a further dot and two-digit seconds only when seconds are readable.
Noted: 4.22
